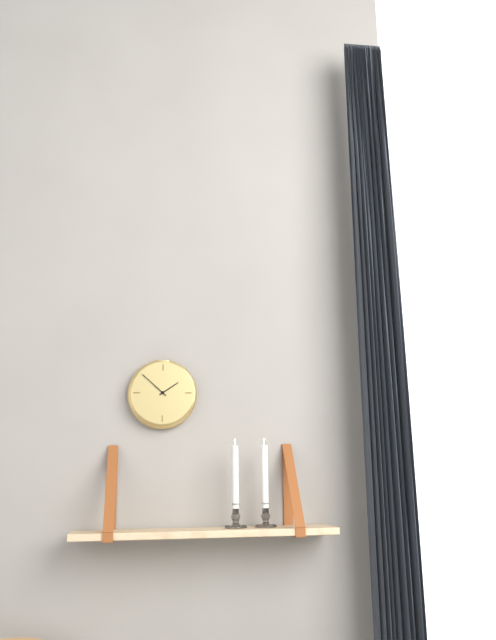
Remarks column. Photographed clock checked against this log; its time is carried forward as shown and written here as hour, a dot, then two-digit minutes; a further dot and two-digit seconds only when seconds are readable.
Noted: 1.52
